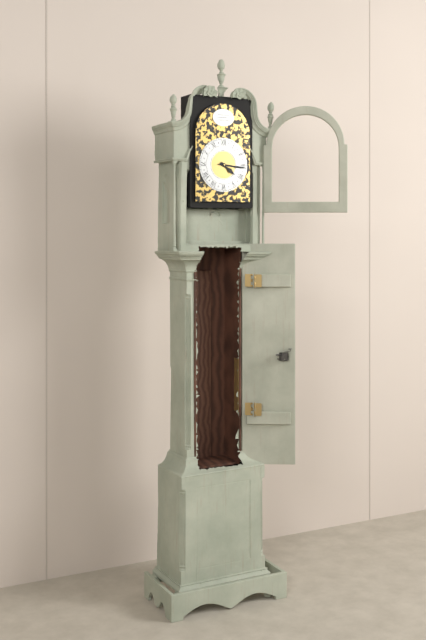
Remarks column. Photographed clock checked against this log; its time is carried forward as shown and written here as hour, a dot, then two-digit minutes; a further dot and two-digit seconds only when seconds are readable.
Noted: 4.16
